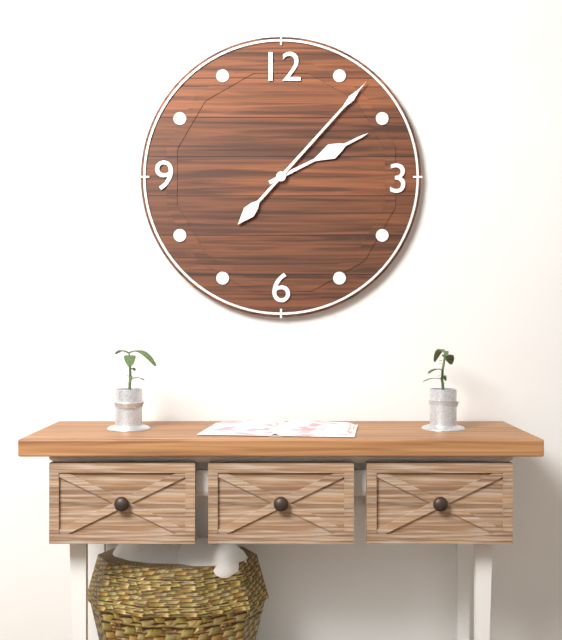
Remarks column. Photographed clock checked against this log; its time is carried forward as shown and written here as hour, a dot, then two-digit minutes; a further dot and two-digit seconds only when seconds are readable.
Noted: 2.07
